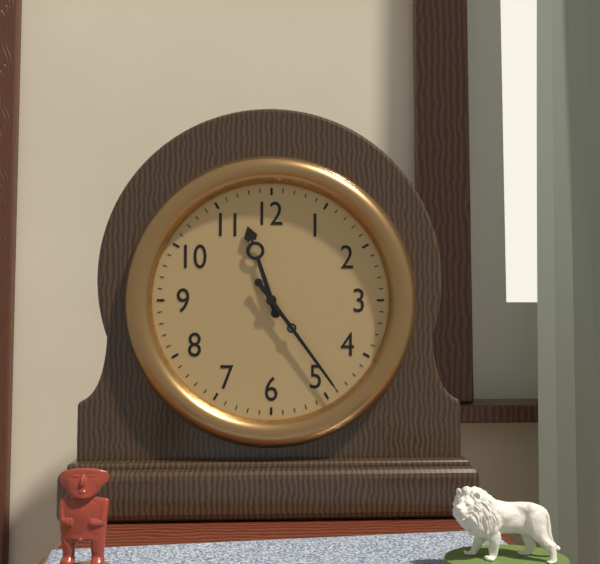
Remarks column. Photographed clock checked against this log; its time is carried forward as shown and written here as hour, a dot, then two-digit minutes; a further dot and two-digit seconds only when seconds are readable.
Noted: 11.24
